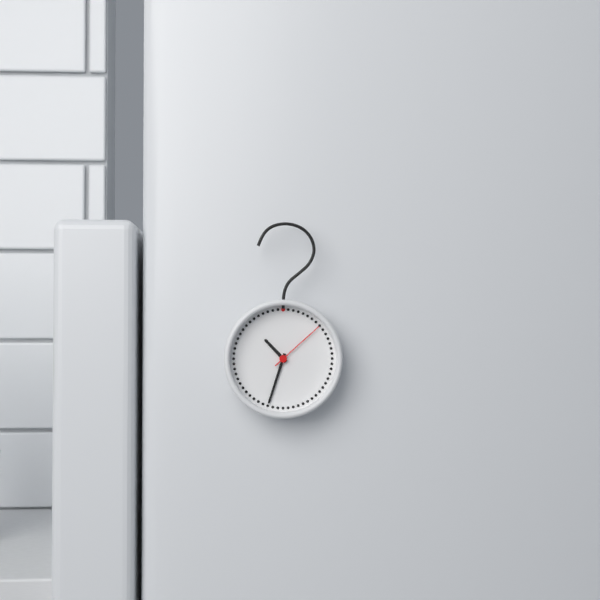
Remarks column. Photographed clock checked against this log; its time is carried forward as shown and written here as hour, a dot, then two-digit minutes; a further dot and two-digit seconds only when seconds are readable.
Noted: 10.33.08
